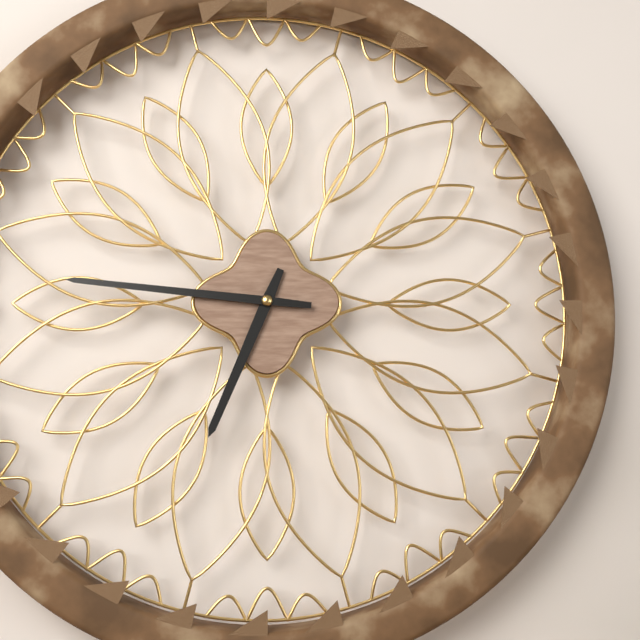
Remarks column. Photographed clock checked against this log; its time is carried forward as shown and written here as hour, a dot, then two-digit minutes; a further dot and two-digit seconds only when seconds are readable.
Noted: 6.46
